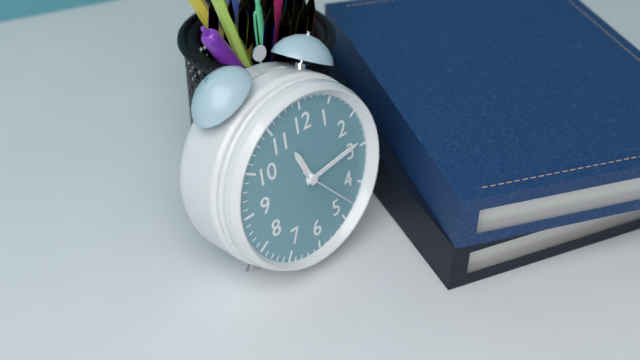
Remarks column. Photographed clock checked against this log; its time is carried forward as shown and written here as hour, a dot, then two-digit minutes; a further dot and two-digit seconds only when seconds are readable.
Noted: 11.14.23
